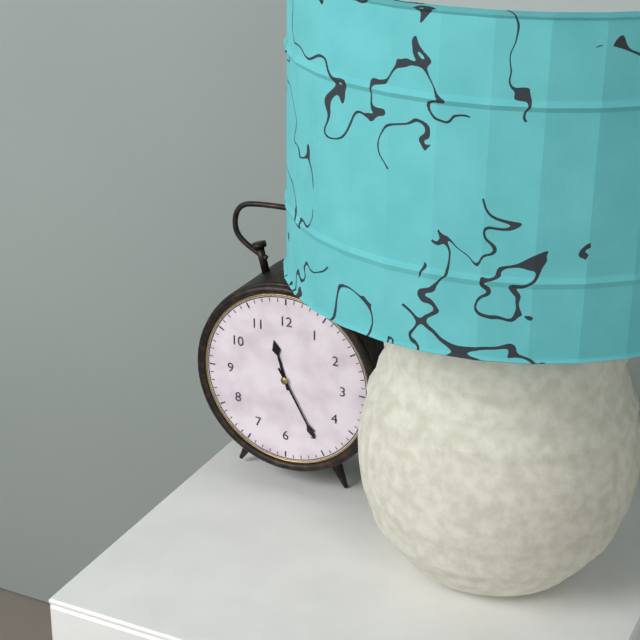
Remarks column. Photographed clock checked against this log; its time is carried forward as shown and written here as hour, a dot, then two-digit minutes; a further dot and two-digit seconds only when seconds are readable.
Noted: 11.25
